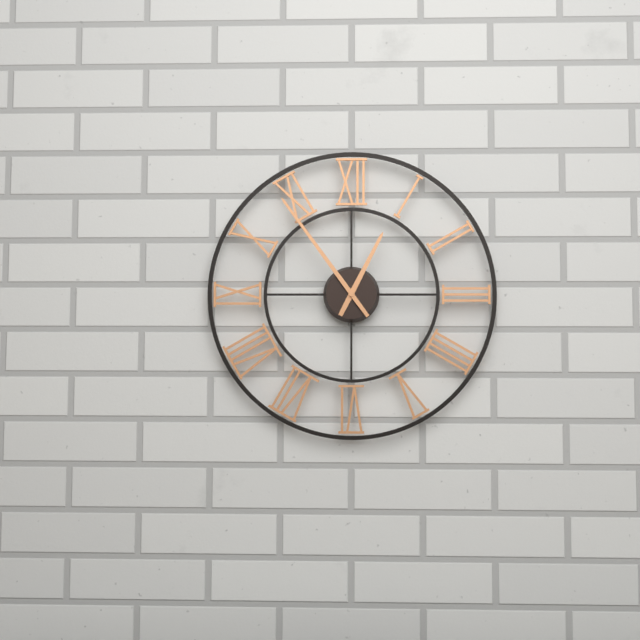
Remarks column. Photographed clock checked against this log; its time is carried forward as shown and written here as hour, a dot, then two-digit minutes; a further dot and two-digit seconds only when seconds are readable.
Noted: 12.54
